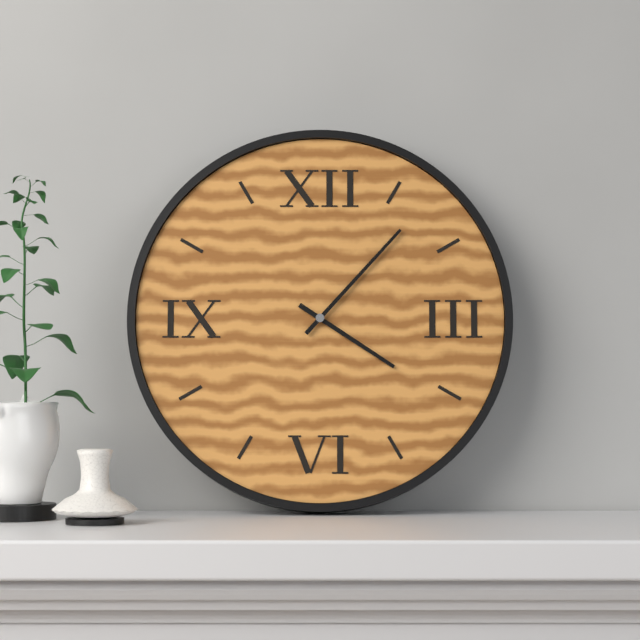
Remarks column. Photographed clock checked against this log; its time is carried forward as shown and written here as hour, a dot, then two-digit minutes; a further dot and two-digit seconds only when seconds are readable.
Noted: 4.07
